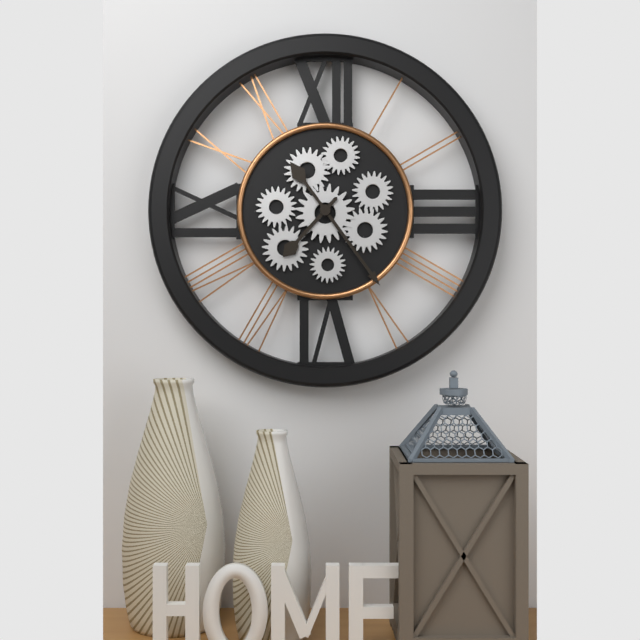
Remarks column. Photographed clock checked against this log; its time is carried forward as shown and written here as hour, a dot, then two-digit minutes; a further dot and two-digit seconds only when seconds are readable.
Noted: 7.24
